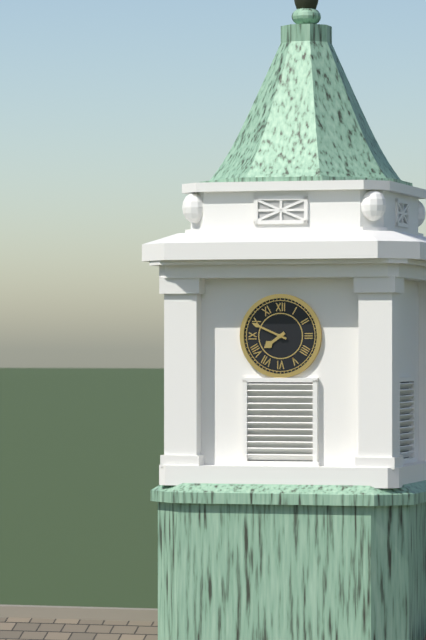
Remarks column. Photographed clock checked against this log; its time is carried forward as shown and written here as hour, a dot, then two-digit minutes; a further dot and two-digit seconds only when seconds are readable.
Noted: 7.49
